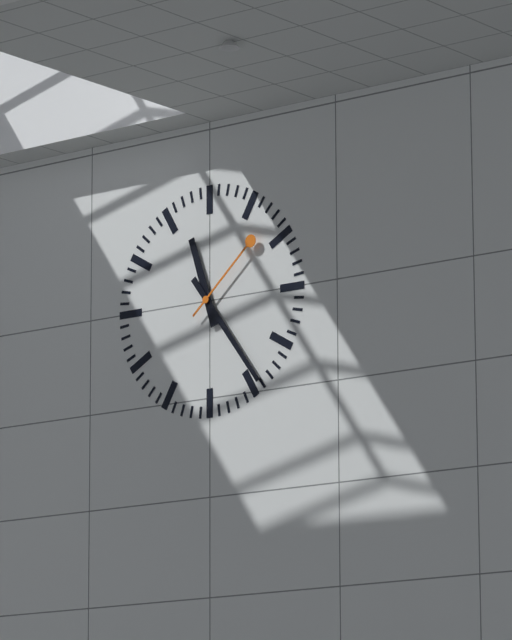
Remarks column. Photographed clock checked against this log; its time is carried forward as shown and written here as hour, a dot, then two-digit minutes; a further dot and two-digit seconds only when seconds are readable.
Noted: 11.24.08
